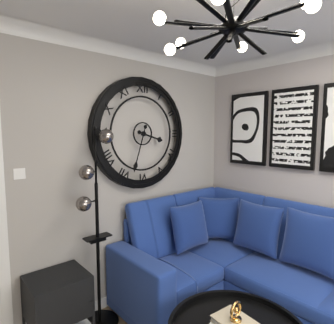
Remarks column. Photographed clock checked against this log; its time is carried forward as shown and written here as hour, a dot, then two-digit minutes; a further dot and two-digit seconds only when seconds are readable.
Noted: 3.33
